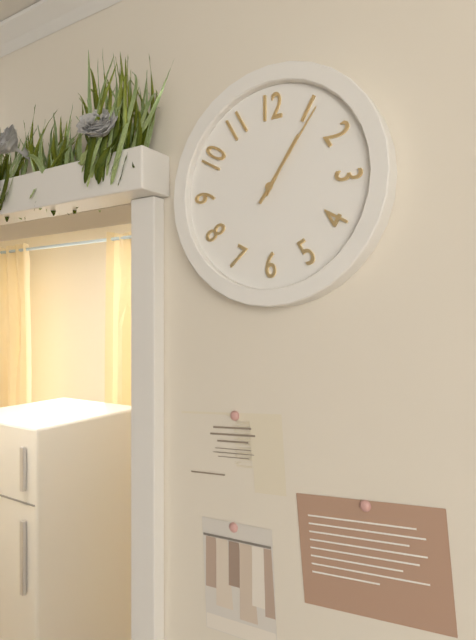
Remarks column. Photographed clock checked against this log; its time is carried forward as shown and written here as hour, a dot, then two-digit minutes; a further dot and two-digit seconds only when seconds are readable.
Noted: 1.06
